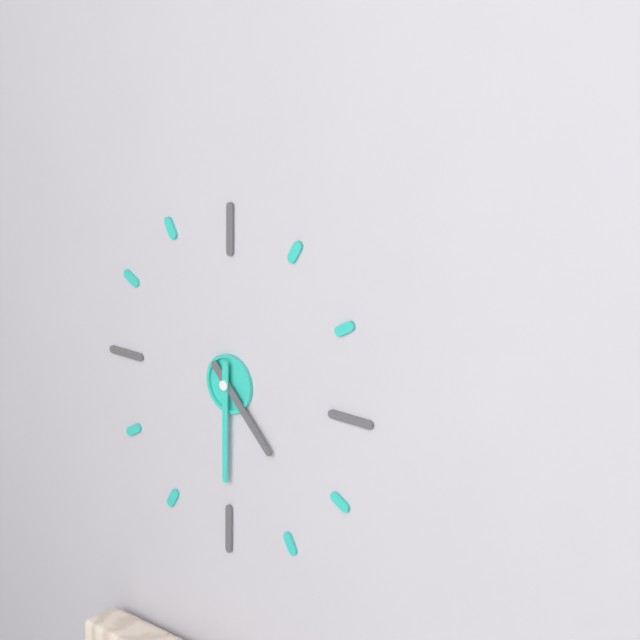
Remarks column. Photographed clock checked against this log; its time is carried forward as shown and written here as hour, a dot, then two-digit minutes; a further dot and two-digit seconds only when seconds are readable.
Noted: 4.30
